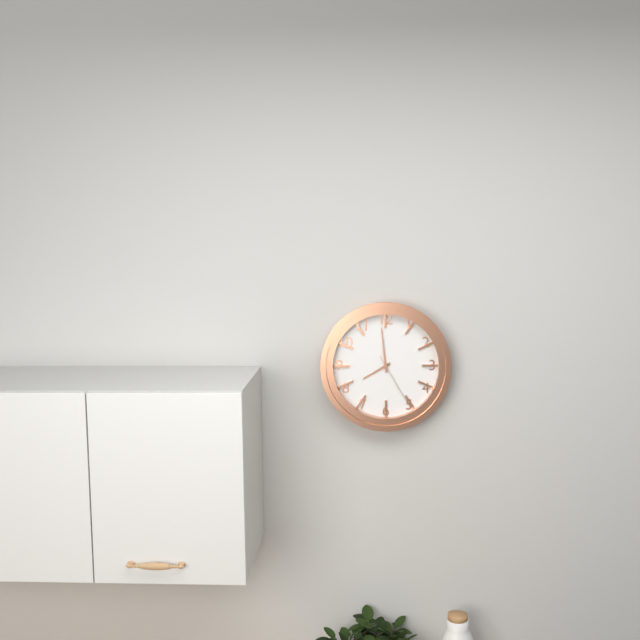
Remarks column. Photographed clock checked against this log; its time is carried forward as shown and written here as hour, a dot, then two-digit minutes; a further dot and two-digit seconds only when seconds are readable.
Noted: 7.59.25
